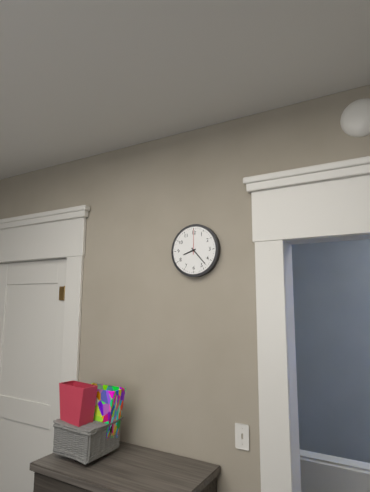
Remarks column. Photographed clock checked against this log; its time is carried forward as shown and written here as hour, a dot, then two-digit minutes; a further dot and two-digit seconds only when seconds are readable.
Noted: 8.23
